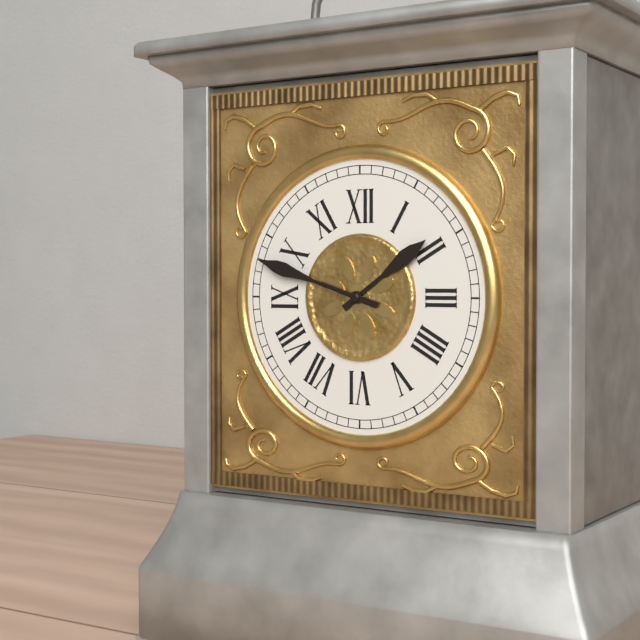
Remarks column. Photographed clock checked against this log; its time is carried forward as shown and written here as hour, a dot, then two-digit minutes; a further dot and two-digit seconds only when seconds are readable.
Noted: 1.48
